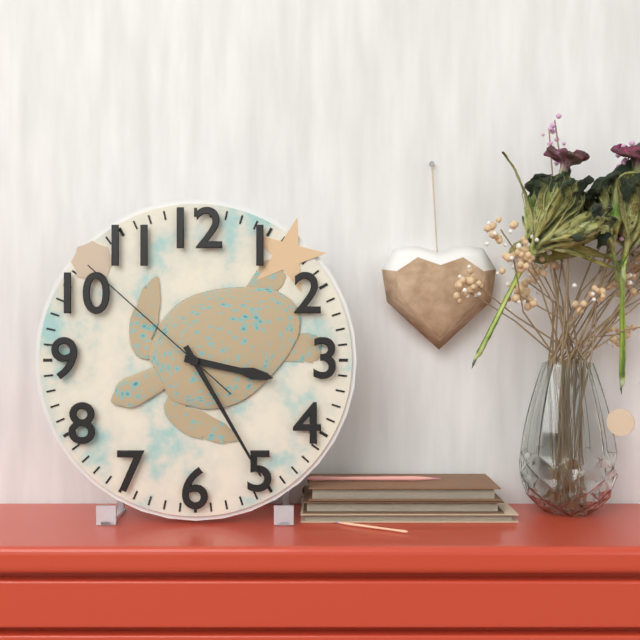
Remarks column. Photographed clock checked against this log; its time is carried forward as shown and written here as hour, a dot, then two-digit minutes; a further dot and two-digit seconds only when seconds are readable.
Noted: 3.25.52
